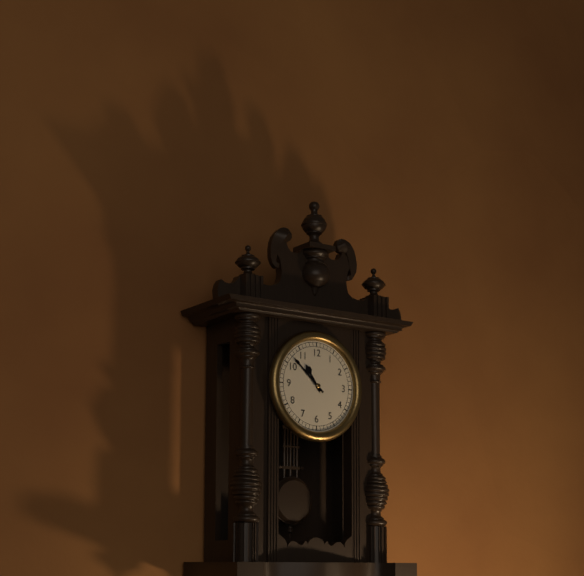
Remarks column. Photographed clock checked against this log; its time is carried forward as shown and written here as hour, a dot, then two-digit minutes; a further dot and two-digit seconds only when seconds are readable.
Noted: 10.52
